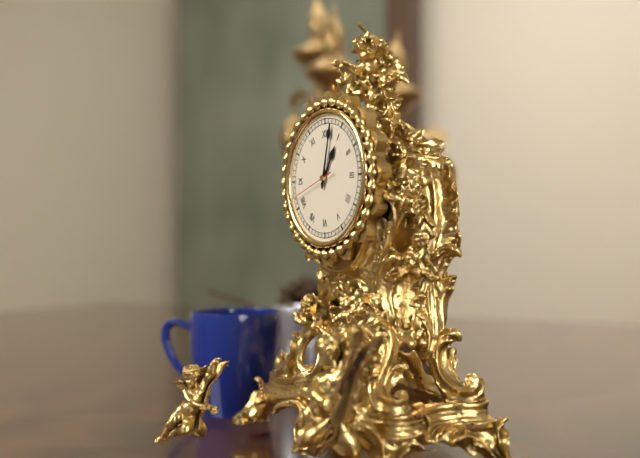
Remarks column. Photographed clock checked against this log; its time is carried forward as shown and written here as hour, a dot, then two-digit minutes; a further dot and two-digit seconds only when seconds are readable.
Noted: 1.02
